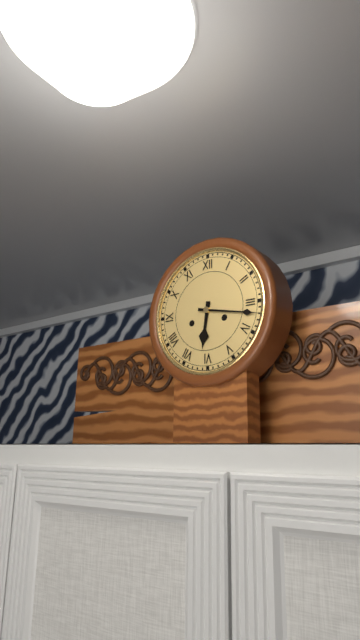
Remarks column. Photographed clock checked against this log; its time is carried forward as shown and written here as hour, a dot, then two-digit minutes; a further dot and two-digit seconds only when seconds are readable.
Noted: 6.17
